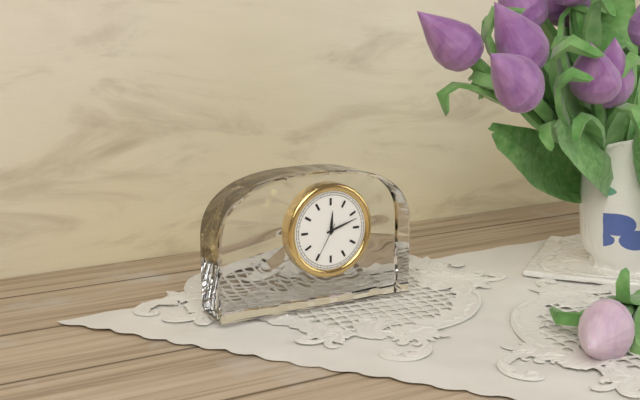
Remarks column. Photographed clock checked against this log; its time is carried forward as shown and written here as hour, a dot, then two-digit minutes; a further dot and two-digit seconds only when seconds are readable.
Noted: 12.12
